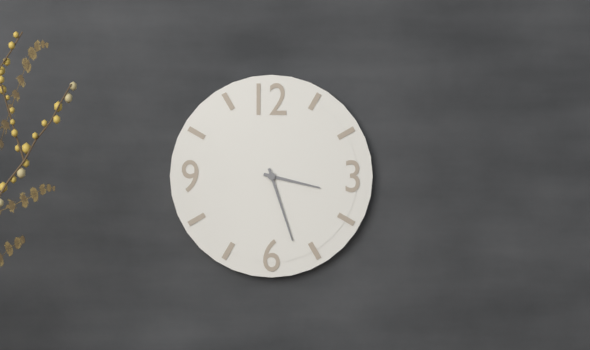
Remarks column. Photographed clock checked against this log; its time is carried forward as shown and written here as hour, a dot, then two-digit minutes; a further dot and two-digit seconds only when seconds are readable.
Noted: 3.27
